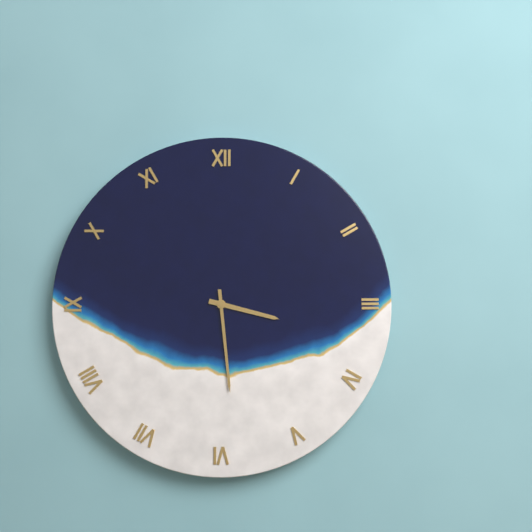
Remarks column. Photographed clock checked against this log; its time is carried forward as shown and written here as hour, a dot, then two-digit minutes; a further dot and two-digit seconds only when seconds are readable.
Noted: 3.29
